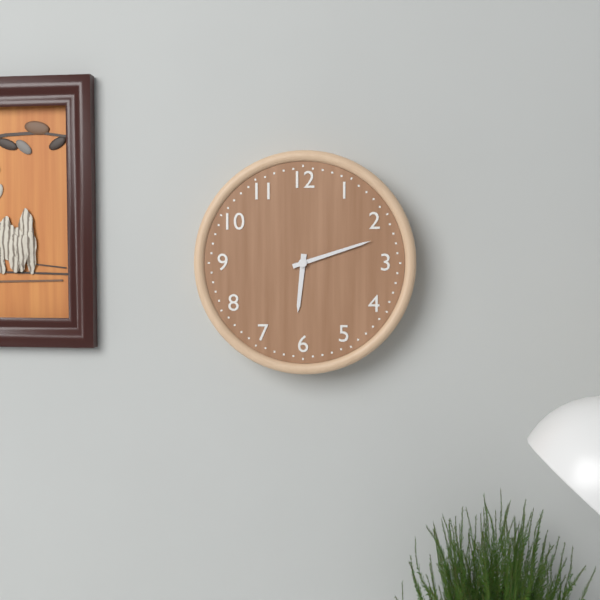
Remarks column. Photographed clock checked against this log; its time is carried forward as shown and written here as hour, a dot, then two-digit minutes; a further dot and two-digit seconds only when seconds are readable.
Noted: 6.12
